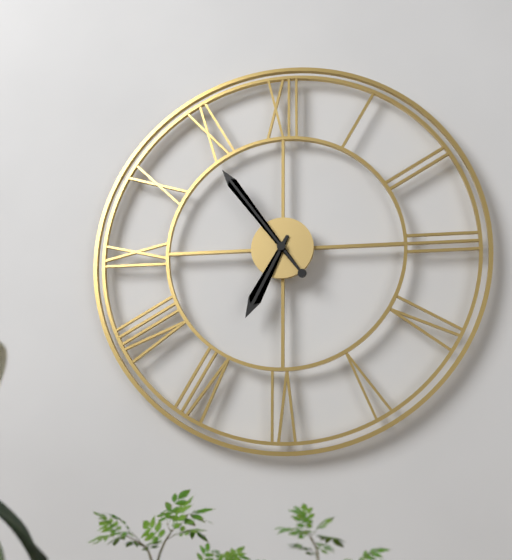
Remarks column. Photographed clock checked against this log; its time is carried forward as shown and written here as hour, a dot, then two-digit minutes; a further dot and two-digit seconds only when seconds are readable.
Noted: 6.54
